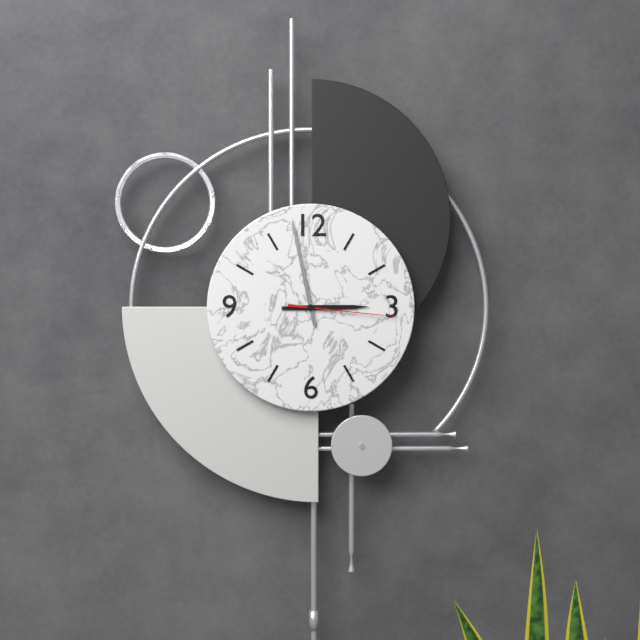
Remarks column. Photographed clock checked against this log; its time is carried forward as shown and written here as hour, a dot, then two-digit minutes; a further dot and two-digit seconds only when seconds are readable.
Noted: 2.58.16
